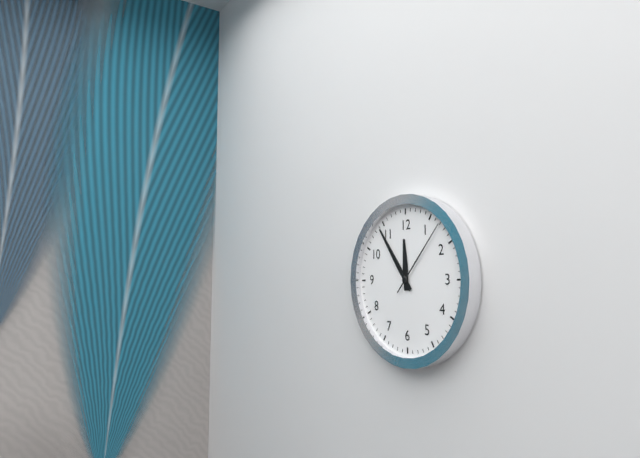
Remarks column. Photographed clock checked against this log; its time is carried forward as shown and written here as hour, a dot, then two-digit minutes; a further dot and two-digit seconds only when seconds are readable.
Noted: 11.54.07
